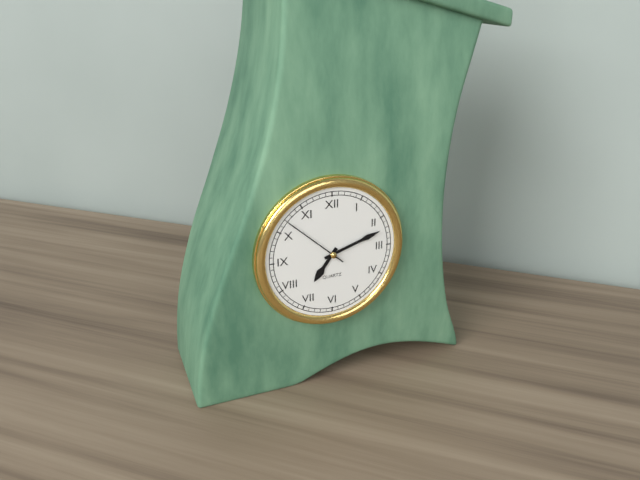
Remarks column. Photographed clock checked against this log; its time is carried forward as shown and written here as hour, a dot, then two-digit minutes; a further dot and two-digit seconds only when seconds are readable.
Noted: 7.12.52
